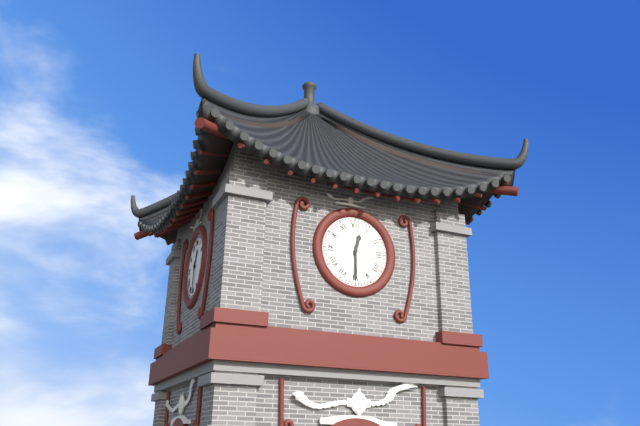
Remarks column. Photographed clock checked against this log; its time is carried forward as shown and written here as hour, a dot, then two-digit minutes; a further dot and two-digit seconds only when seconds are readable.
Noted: 12.30
